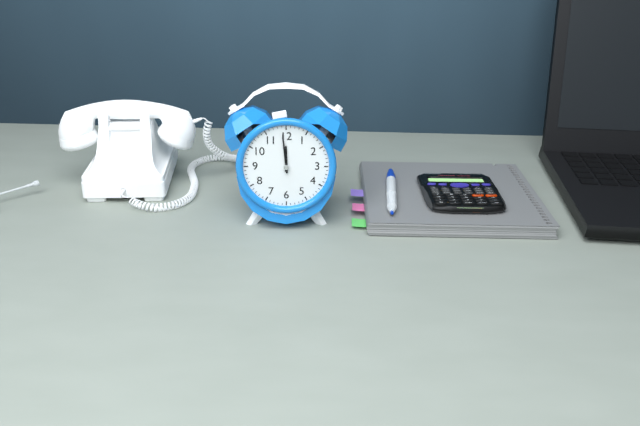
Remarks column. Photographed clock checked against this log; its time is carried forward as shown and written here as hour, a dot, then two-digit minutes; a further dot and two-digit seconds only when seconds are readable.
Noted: 11.59
